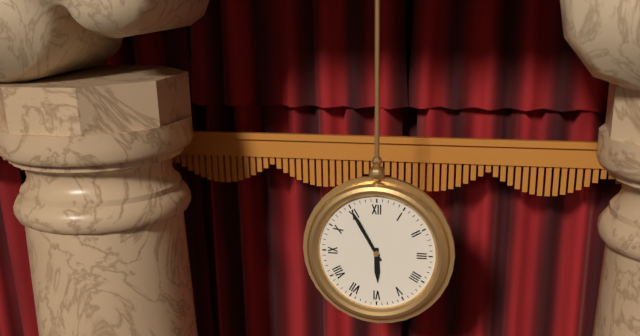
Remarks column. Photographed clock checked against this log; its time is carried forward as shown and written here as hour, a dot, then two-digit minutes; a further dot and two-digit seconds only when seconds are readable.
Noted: 5.55
